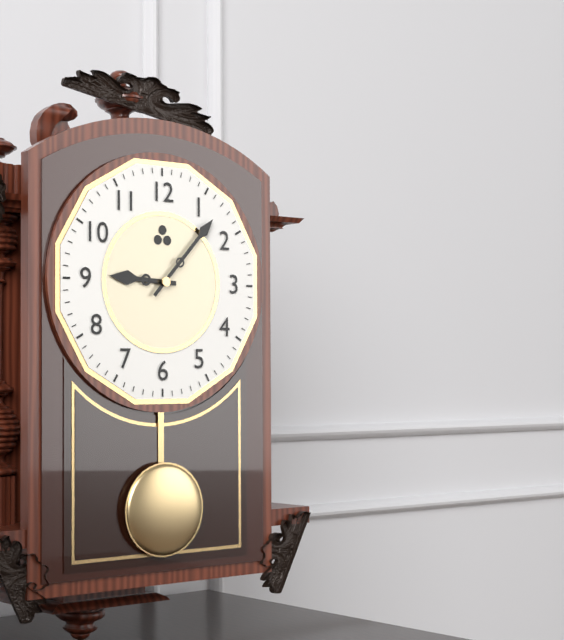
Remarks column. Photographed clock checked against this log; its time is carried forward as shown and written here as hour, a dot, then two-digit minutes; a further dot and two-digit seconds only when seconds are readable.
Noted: 9.07
